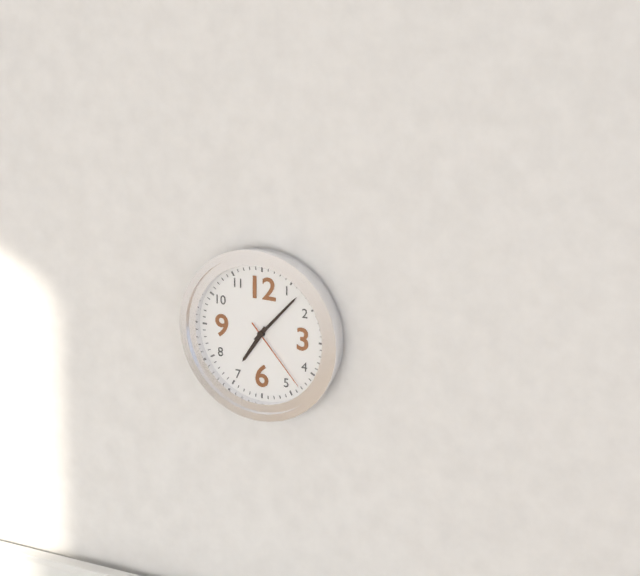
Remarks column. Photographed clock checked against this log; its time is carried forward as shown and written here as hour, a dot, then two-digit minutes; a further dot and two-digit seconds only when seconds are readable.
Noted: 7.07.23
